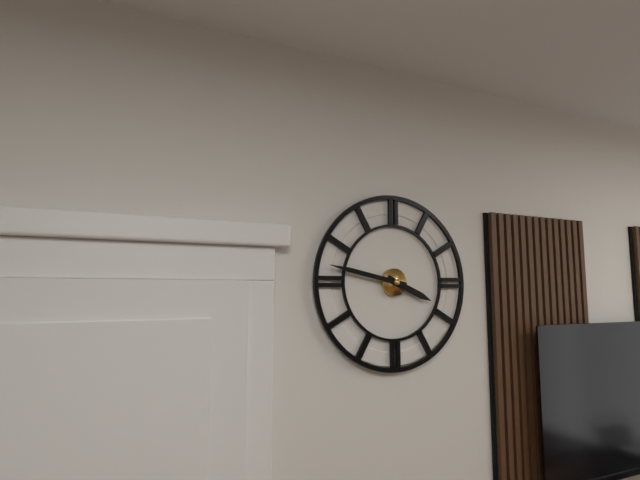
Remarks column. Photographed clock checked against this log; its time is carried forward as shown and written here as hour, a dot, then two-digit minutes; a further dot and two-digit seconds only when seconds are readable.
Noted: 3.47
